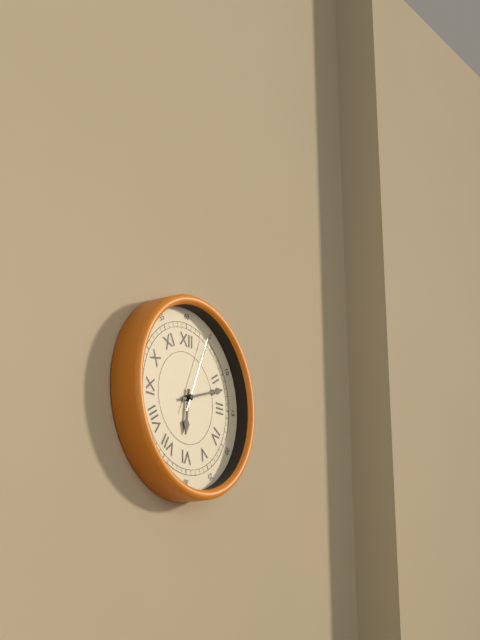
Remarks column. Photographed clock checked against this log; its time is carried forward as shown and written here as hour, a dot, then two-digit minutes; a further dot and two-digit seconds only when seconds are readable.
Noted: 6.12.04
